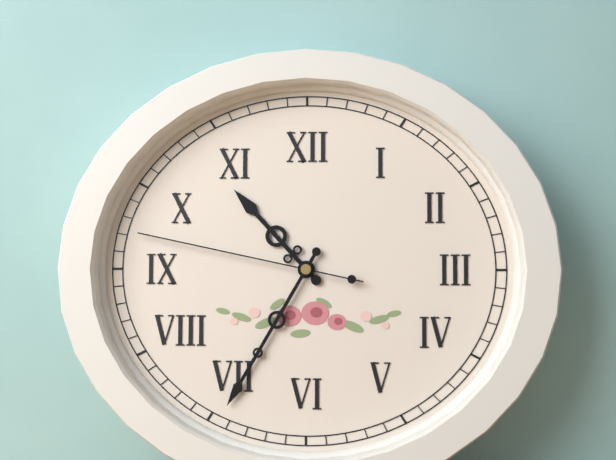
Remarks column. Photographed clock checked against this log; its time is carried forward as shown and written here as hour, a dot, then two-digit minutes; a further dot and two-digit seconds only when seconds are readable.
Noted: 10.35.47
